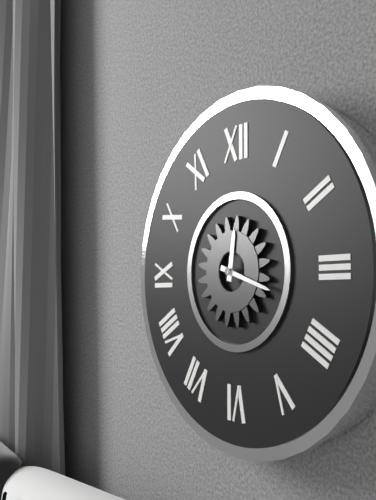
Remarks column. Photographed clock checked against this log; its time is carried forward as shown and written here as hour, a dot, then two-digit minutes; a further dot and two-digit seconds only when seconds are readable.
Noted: 12.18
